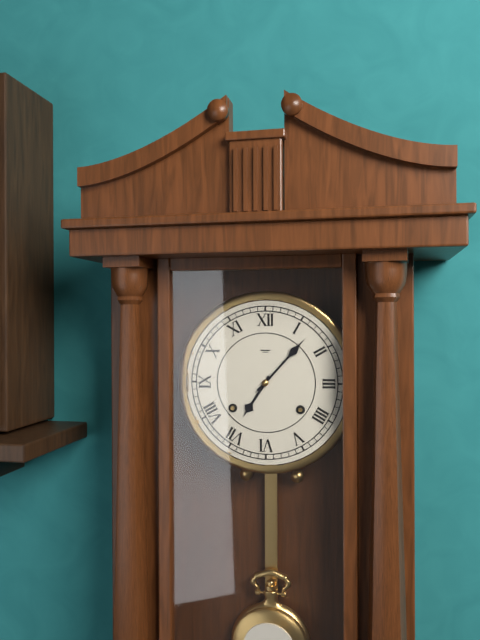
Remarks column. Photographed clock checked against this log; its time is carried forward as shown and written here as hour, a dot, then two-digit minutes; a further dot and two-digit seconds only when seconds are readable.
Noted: 7.07
